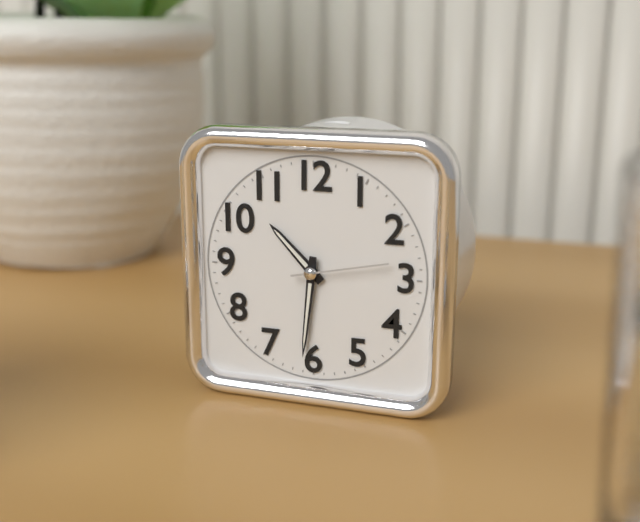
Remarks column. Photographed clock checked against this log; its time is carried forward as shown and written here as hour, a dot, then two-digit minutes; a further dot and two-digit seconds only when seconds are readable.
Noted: 10.31.13
